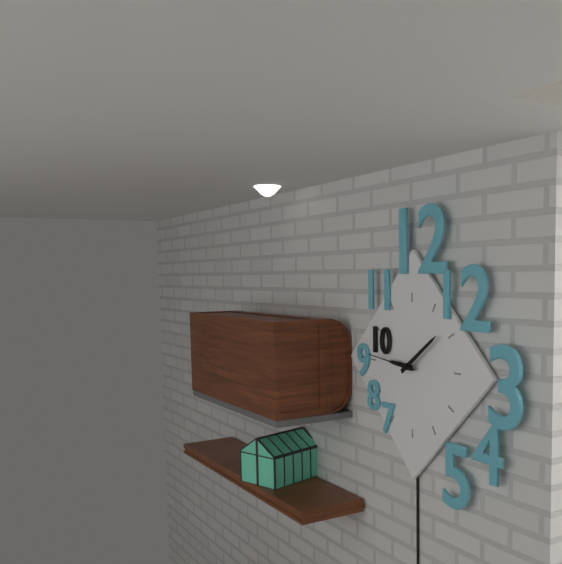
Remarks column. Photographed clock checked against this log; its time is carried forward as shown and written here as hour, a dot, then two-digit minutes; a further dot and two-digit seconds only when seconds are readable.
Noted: 9.09.46
